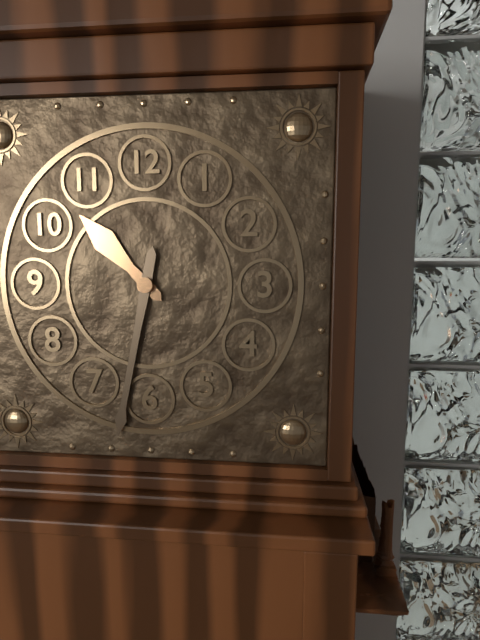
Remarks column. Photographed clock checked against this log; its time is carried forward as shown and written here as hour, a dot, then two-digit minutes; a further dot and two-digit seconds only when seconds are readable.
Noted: 10.32
